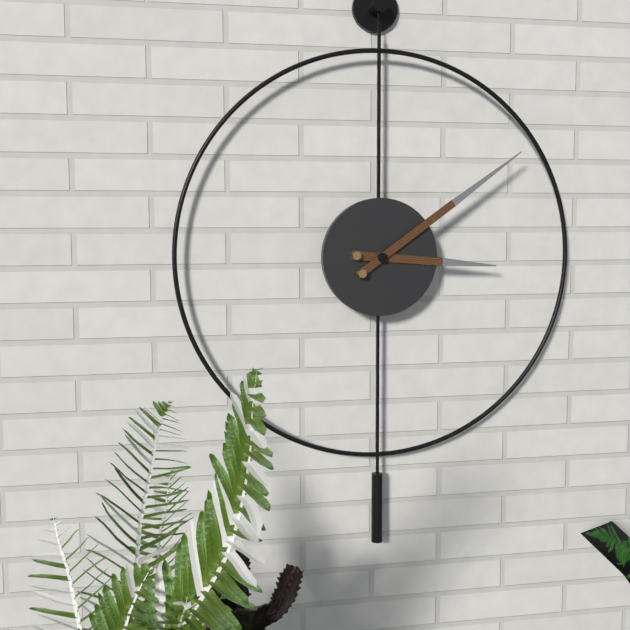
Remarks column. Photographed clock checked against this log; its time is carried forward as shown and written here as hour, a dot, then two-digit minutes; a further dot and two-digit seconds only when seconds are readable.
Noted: 3.09
